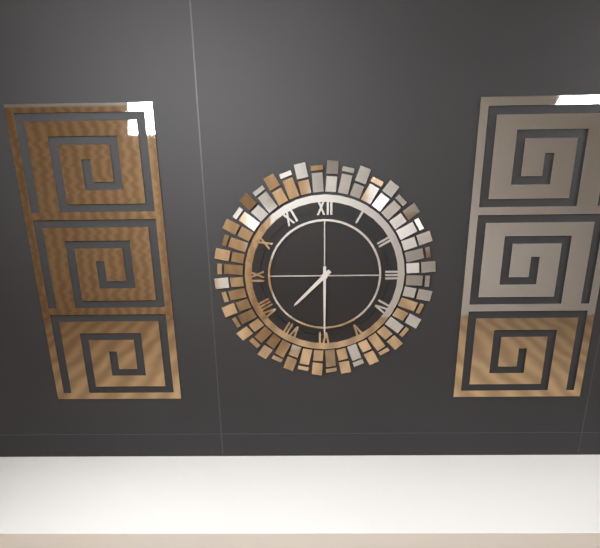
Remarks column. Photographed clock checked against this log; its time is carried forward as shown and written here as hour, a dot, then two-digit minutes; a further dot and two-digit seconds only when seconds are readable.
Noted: 7.30
